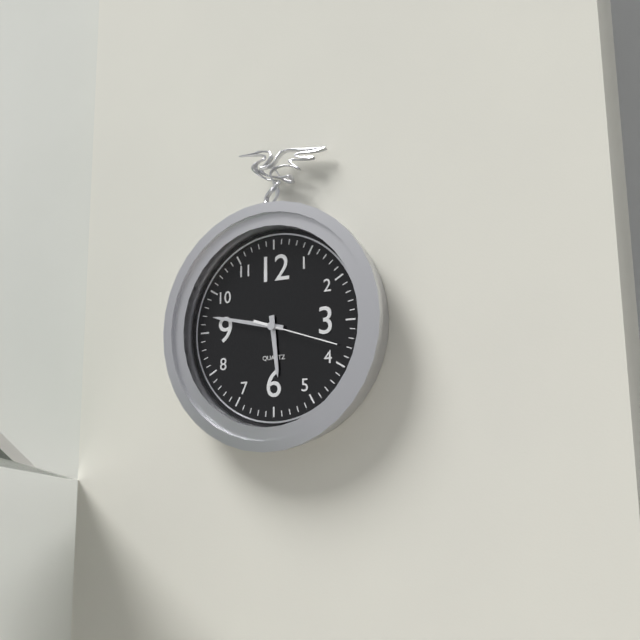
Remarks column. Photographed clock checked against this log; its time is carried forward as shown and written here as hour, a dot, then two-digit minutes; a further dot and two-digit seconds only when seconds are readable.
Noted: 5.47.18
